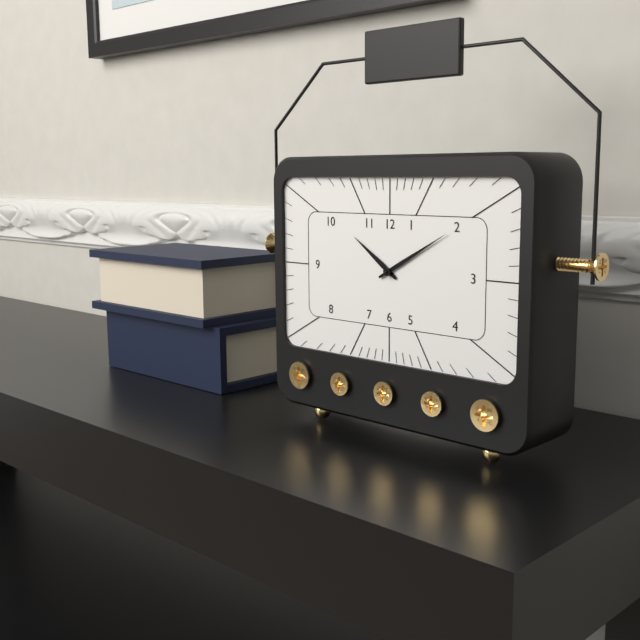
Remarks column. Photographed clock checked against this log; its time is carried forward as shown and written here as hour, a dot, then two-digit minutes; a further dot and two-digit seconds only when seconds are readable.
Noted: 10.10
